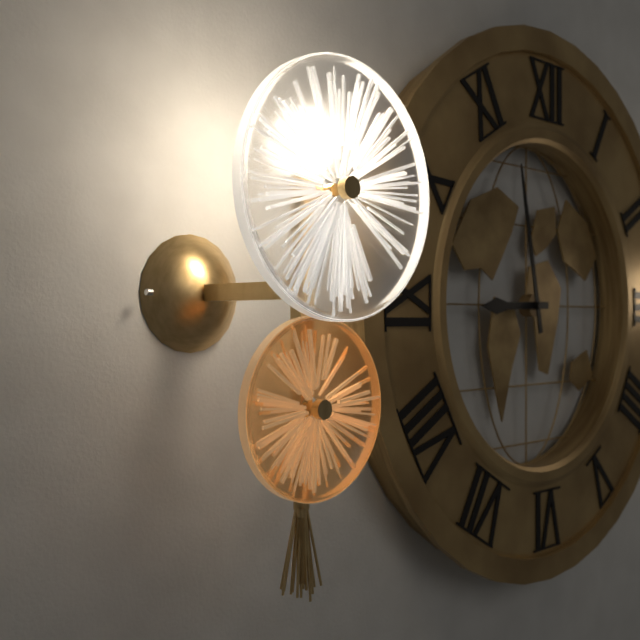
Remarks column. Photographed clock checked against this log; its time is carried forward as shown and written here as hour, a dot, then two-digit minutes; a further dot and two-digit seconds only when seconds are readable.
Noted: 8.58
